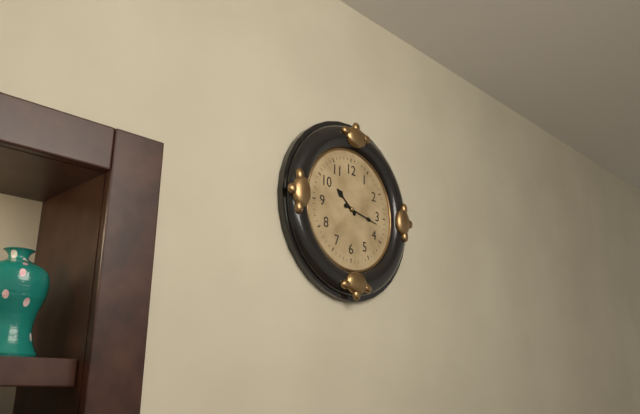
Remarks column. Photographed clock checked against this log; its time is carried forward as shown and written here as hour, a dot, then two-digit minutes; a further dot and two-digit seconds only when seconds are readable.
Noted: 10.17
